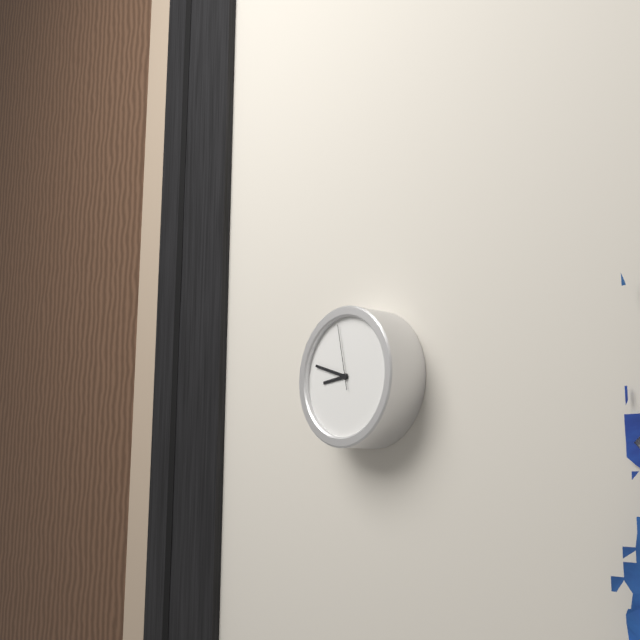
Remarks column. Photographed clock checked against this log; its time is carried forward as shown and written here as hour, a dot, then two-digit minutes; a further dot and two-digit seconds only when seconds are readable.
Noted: 8.48.58
